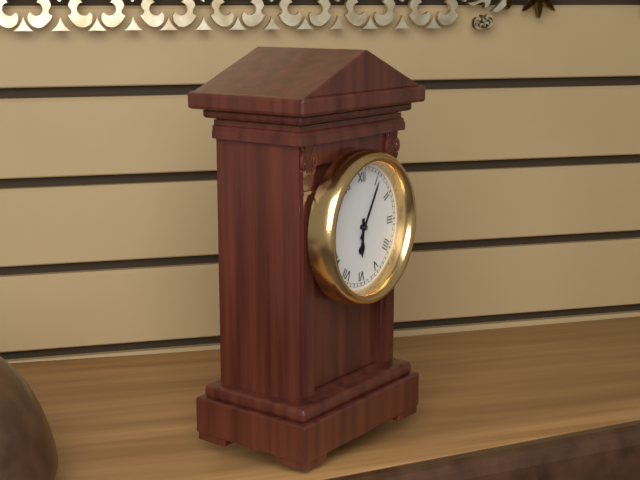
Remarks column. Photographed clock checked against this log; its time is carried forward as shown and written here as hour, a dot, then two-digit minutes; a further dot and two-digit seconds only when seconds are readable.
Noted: 6.05
